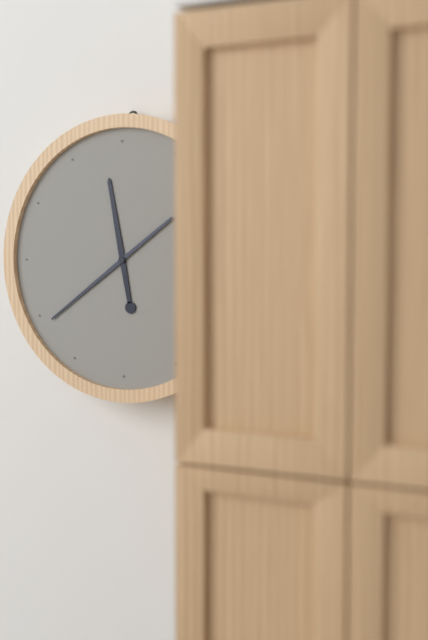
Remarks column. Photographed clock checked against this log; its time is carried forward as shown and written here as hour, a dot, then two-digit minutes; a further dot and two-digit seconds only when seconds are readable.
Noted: 11.39
